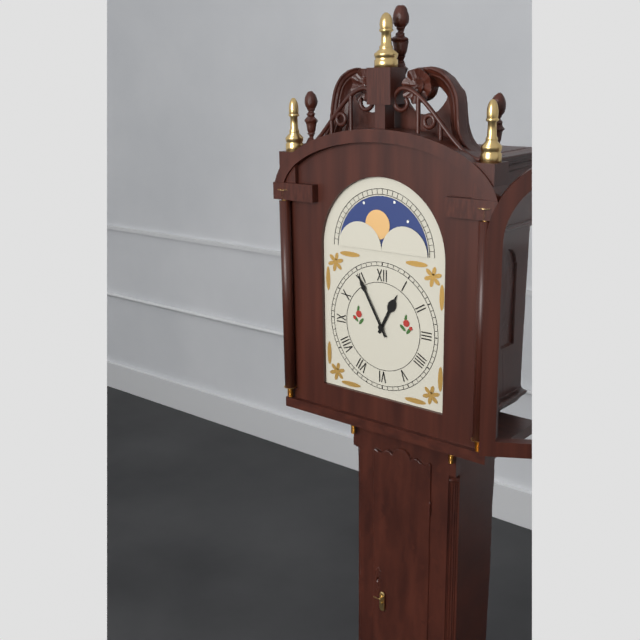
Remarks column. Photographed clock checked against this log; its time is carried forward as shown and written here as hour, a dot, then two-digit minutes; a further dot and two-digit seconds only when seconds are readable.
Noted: 12.55
